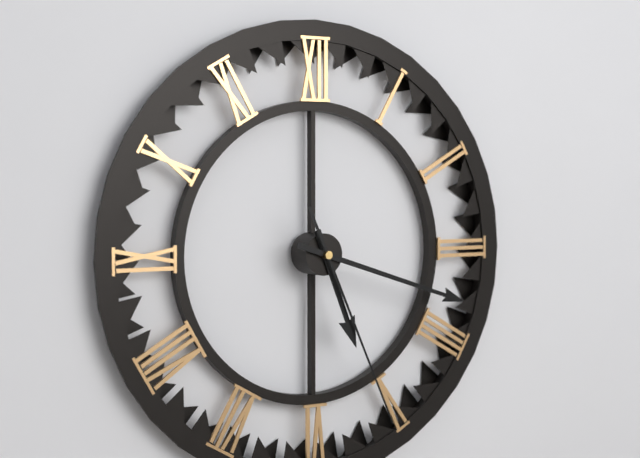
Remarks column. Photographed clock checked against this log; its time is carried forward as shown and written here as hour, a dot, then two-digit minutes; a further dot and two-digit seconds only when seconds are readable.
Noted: 5.18.26
